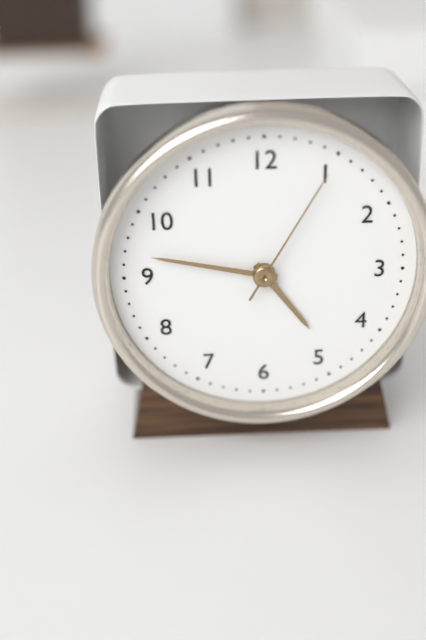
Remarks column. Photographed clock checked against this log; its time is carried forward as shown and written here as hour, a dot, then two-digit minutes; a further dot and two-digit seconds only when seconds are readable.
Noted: 4.47.05
